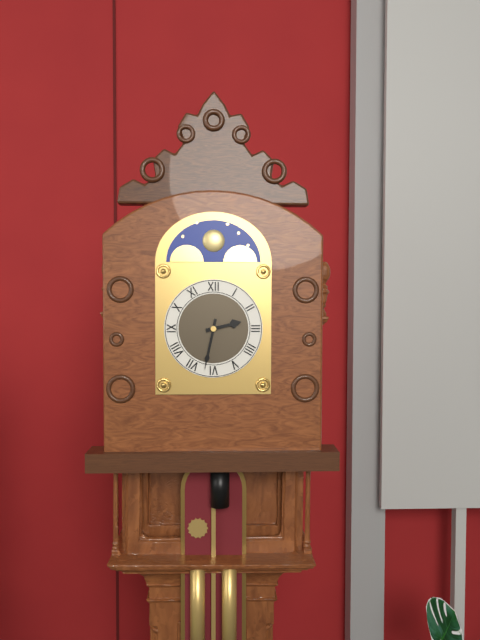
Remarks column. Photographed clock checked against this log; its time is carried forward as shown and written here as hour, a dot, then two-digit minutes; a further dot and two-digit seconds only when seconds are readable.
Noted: 2.32
